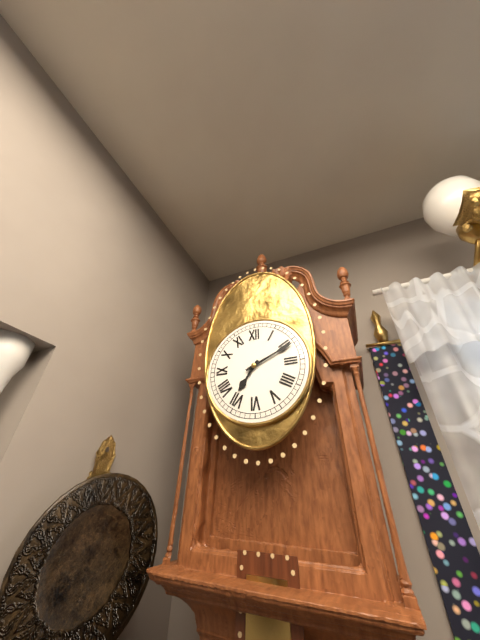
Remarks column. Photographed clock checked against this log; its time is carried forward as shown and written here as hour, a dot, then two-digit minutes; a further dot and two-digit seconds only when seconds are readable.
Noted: 7.11
